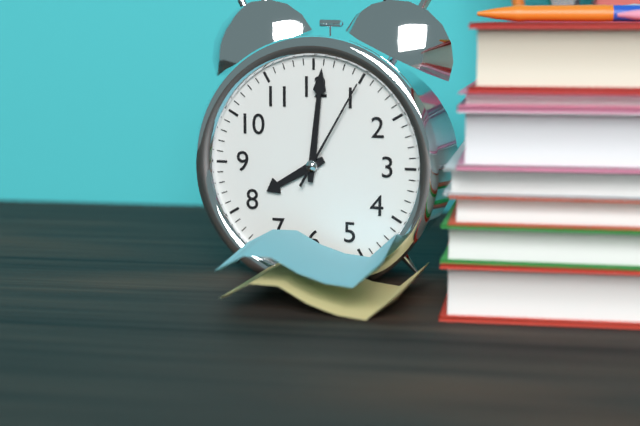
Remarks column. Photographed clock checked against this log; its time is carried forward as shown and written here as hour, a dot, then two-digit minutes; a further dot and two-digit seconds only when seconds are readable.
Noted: 8.01.05
